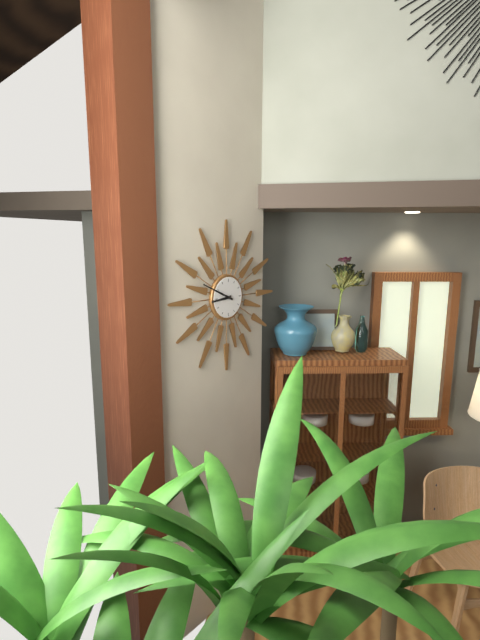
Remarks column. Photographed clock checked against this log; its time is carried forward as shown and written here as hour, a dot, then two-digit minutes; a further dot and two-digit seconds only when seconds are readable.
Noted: 8.49
